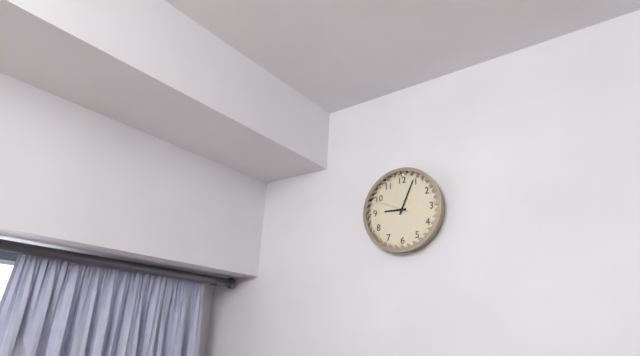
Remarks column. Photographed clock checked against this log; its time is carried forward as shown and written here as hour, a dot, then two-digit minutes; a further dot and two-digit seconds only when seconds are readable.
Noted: 9.04
